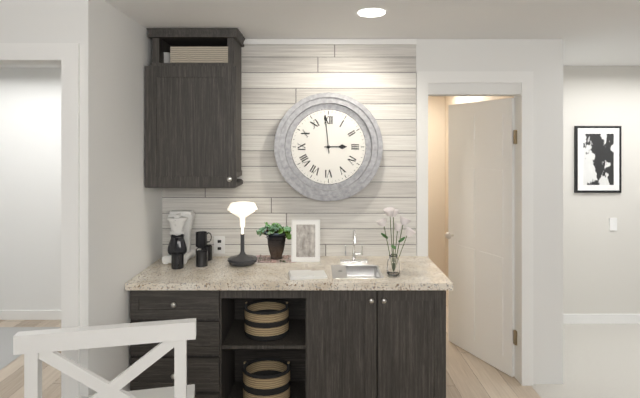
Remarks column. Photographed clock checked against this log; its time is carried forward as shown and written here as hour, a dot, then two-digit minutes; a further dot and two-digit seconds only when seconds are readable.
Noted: 2.59
